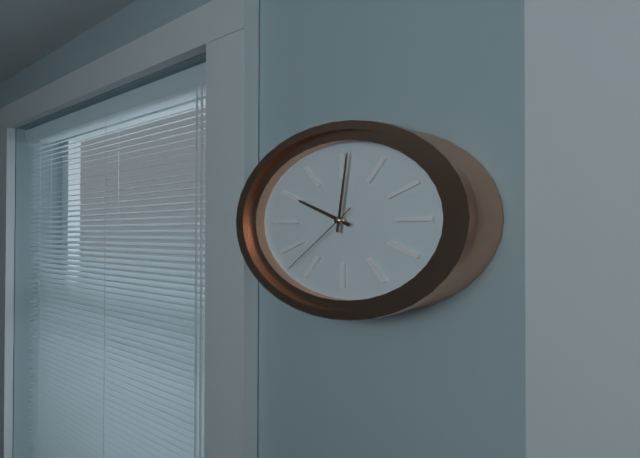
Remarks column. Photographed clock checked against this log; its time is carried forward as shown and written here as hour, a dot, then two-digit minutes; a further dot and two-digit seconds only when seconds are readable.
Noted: 10.01.37
